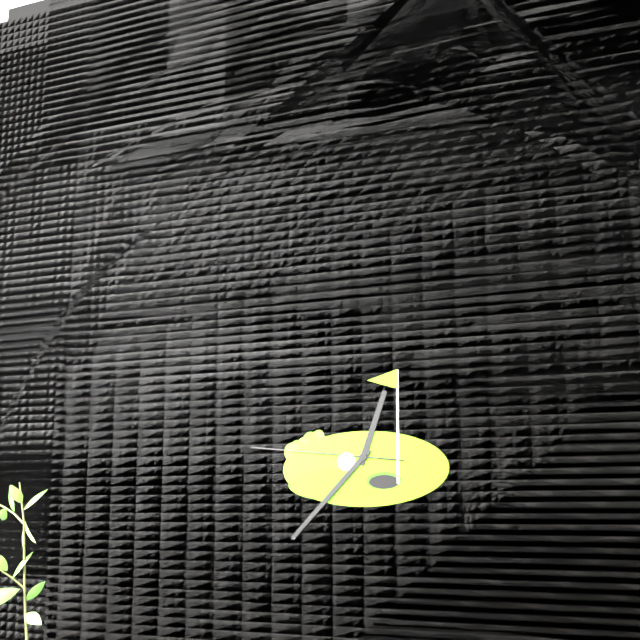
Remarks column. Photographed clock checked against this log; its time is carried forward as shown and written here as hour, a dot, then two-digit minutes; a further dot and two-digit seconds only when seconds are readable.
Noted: 12.37.46
